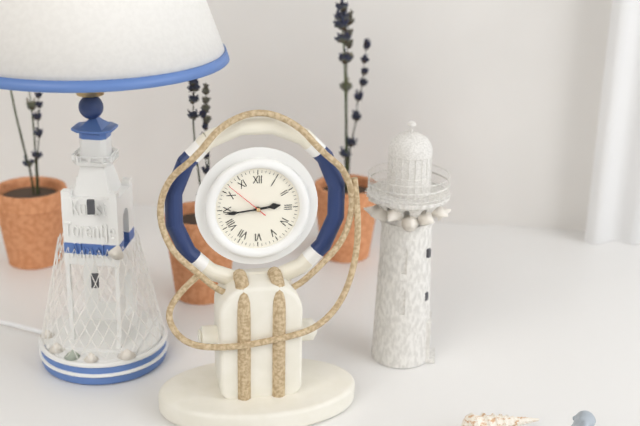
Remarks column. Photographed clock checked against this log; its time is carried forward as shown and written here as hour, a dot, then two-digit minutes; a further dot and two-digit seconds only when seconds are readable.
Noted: 2.44
